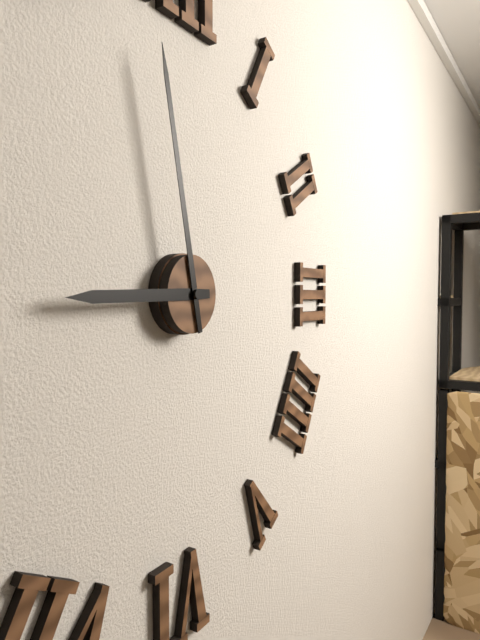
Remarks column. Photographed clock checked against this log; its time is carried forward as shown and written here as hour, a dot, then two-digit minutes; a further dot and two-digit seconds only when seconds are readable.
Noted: 8.58
